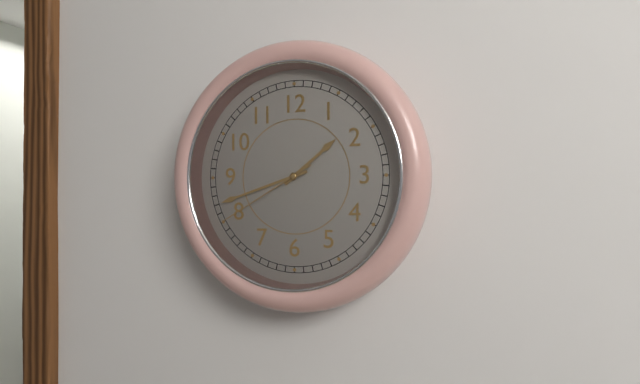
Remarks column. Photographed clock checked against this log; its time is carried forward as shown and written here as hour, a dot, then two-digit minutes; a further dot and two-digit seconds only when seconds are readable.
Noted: 1.42.40
